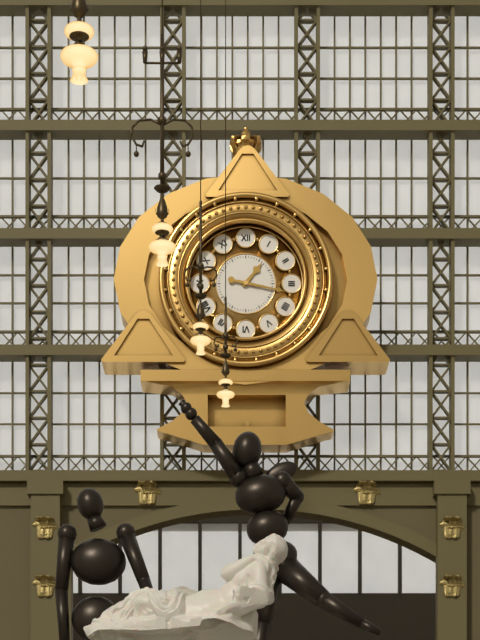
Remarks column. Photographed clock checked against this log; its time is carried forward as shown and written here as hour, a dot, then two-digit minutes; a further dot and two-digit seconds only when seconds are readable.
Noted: 1.17
